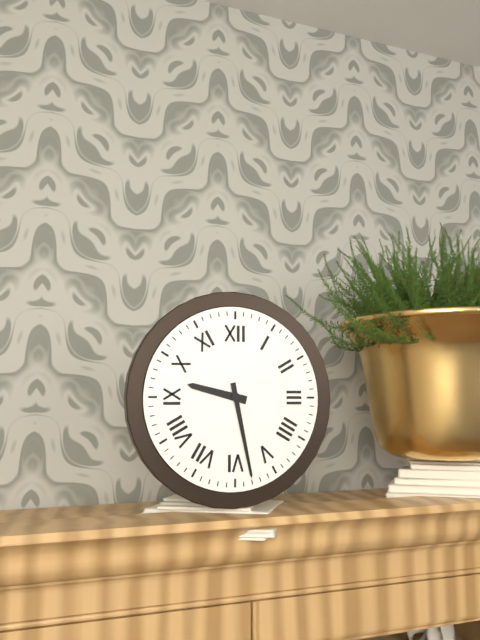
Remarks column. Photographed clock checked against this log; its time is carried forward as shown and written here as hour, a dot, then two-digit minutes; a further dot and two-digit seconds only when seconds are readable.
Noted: 9.28
